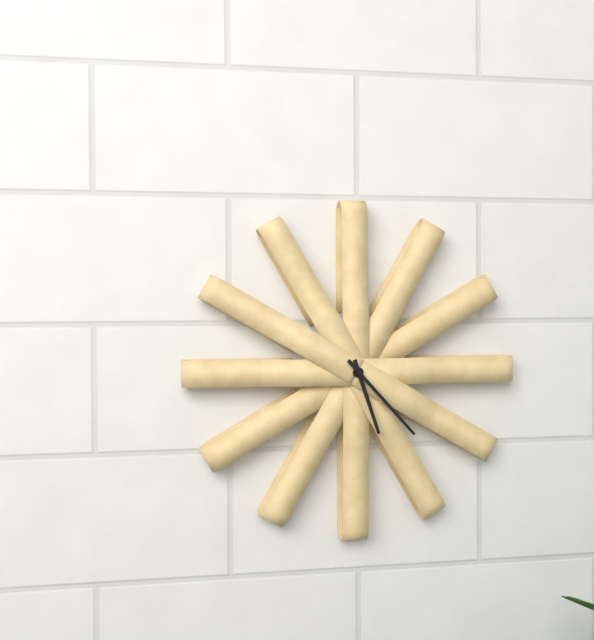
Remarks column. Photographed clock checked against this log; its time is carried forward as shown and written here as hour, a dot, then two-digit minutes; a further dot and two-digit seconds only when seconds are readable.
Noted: 5.23
